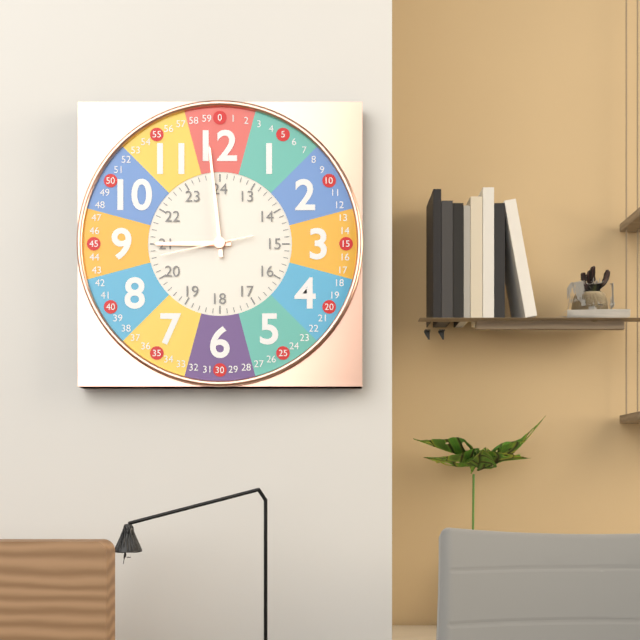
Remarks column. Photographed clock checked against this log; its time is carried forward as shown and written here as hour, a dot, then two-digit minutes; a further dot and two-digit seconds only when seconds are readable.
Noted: 8.59.43
